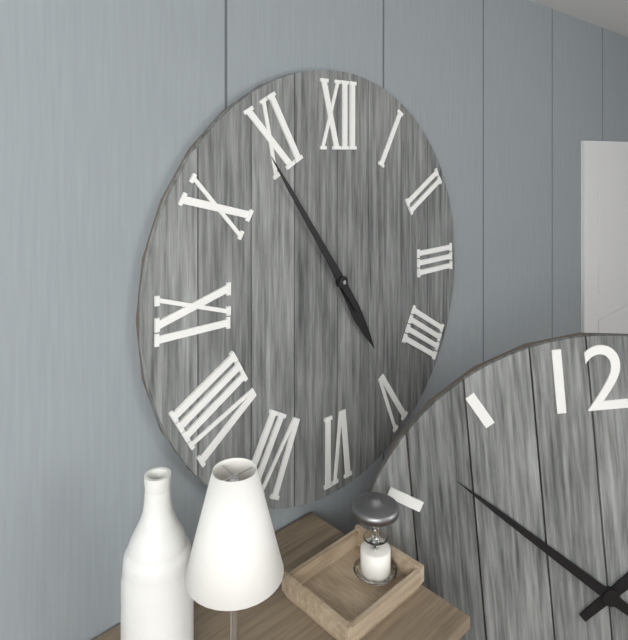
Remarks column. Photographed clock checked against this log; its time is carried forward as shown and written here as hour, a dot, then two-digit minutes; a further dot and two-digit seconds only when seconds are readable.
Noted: 4.54
